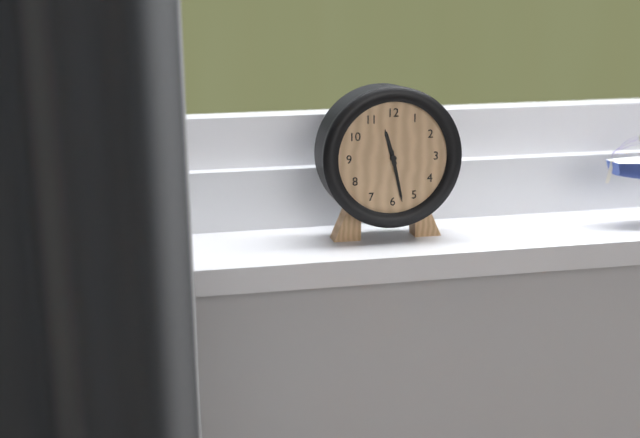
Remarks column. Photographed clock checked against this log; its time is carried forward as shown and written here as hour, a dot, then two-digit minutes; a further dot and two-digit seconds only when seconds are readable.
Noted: 11.28
